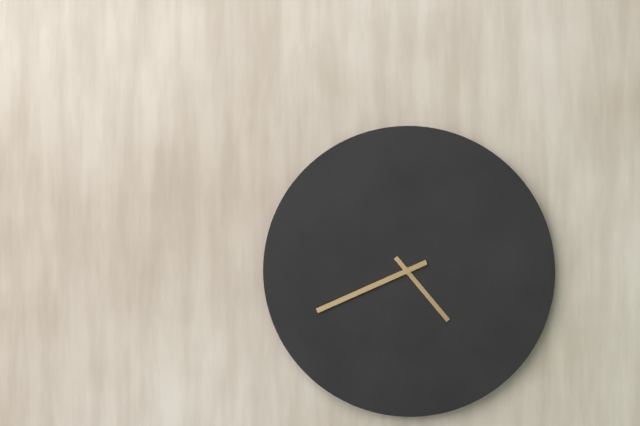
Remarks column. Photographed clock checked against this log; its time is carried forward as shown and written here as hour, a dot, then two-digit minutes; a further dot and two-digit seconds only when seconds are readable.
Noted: 4.41
